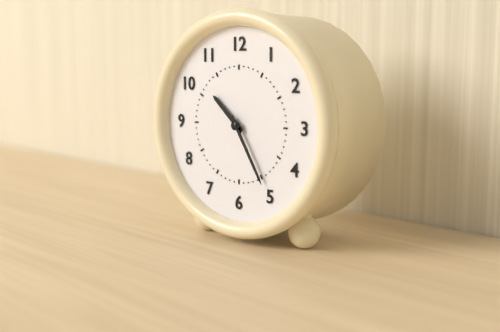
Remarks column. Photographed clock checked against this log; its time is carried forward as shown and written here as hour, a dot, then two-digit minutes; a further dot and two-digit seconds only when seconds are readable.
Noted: 10.25
